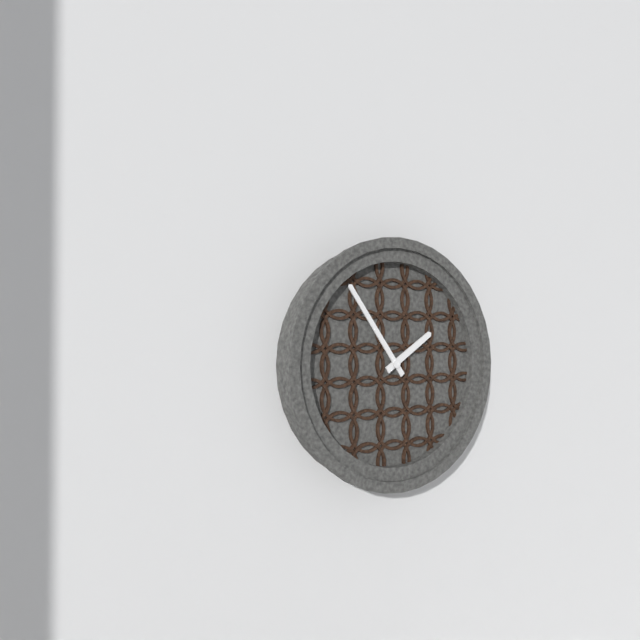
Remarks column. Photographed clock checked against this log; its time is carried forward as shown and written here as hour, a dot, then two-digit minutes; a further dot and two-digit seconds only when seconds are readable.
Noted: 1.54
